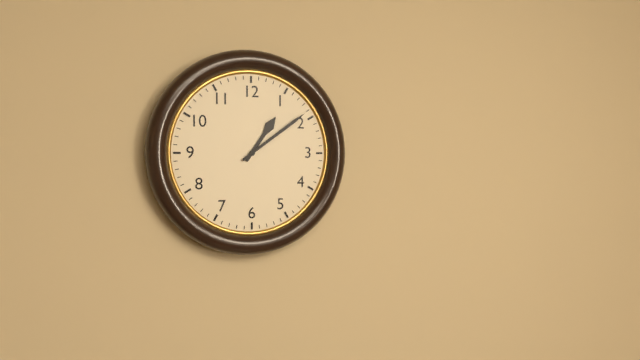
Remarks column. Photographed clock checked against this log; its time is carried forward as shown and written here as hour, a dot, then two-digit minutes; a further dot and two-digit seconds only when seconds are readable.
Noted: 1.09
